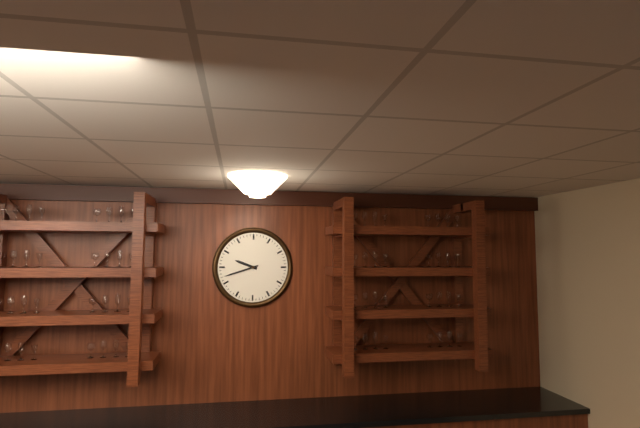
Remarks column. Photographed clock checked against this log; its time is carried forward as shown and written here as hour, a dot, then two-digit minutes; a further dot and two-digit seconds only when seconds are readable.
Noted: 9.42
